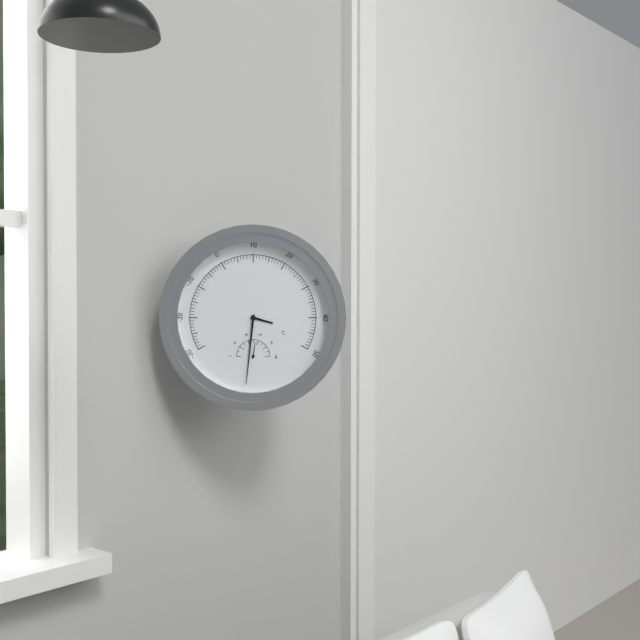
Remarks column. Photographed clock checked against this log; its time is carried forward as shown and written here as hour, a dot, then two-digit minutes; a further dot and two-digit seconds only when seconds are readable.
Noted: 3.31
